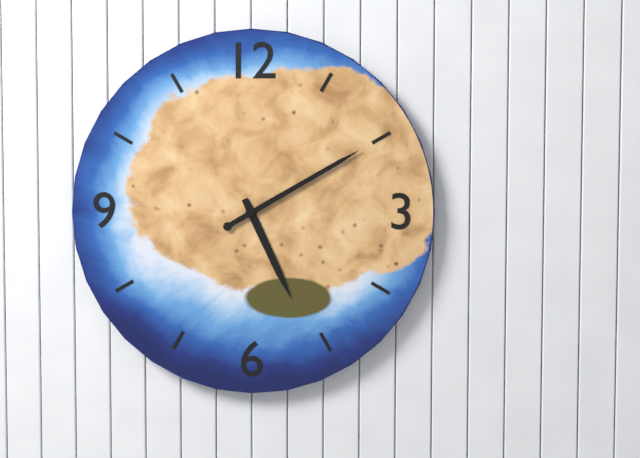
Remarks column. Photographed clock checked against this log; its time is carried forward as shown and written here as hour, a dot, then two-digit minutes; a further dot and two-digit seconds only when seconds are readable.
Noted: 5.10
